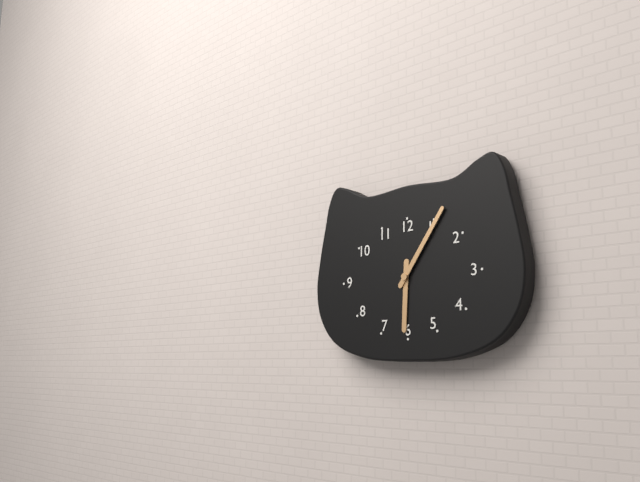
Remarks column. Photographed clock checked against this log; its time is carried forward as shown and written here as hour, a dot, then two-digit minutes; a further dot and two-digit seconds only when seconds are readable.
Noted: 6.06
